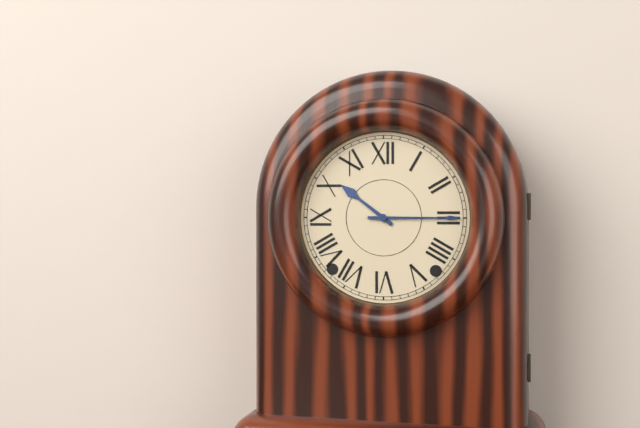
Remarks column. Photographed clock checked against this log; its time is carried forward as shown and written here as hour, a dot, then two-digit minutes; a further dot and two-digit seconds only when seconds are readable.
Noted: 10.15
